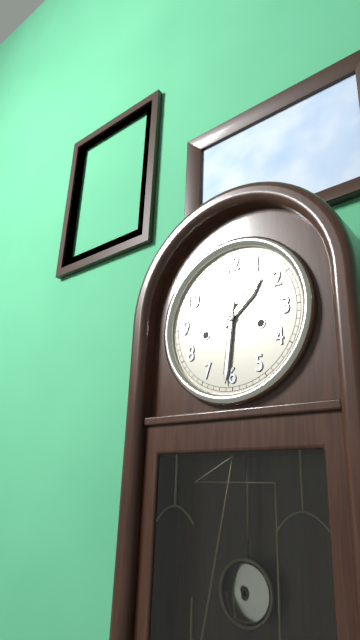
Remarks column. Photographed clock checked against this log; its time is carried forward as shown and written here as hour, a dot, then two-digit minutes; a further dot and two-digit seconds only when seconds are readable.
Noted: 1.31
